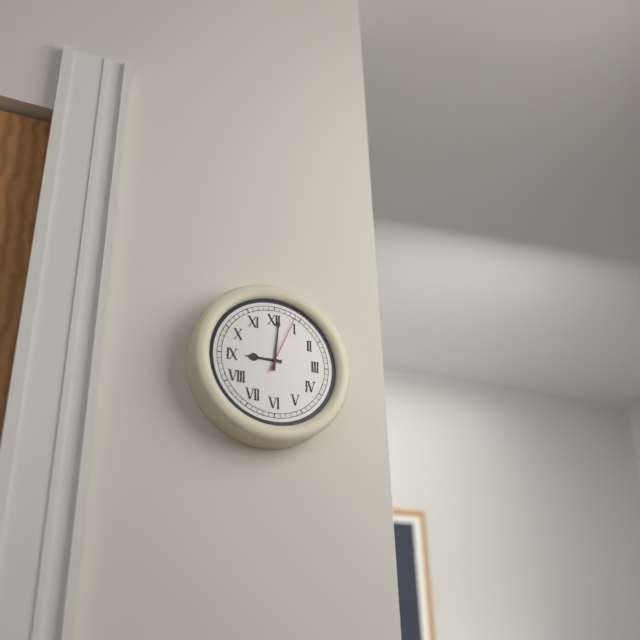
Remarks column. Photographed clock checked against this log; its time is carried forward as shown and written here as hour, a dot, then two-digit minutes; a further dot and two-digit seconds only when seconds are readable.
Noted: 9.01.04
